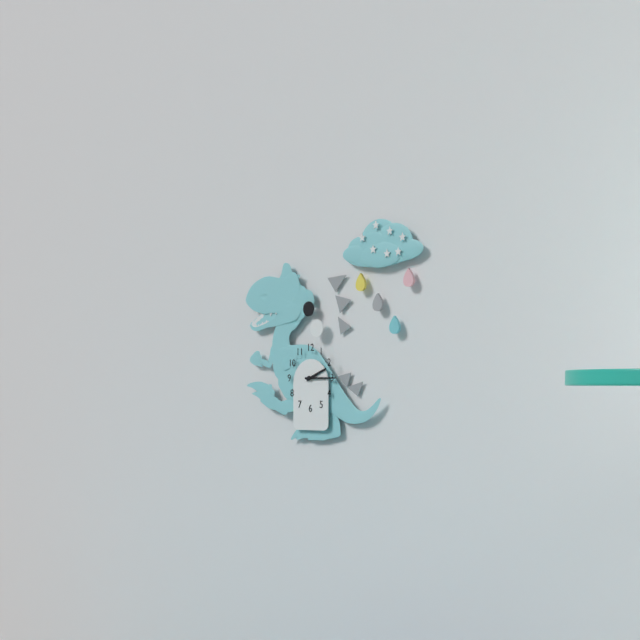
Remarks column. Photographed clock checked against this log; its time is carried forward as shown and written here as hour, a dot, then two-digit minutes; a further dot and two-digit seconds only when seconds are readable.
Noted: 2.15
